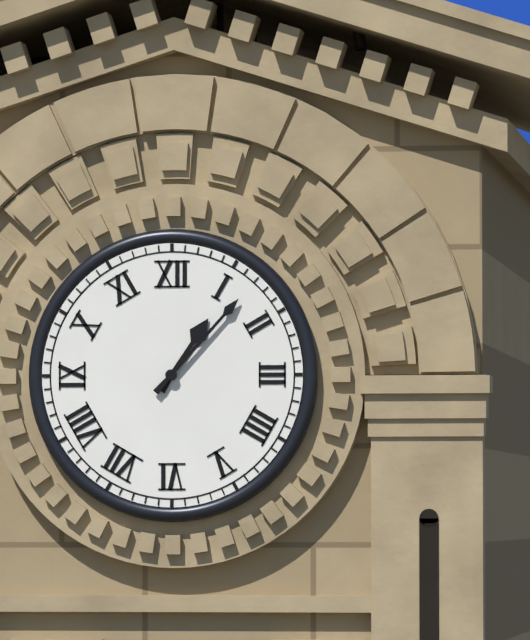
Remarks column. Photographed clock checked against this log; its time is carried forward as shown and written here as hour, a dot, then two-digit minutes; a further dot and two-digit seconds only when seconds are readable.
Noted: 1.07
